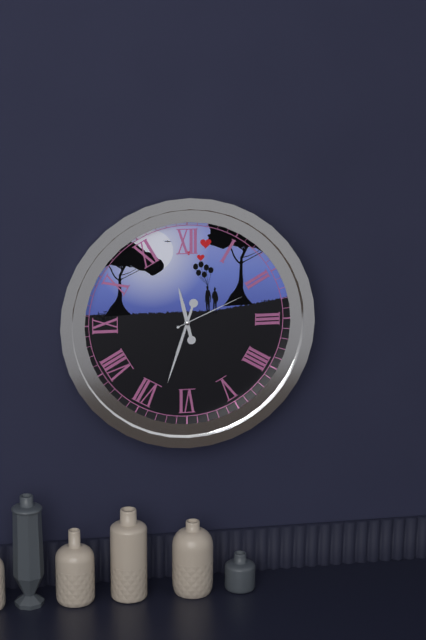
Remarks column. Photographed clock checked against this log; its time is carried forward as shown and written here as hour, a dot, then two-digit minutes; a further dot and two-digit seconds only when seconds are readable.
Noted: 11.33.11
